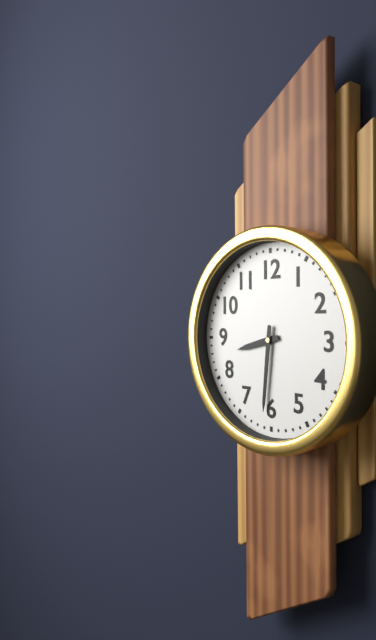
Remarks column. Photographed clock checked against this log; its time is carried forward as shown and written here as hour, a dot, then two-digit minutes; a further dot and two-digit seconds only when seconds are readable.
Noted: 8.31
